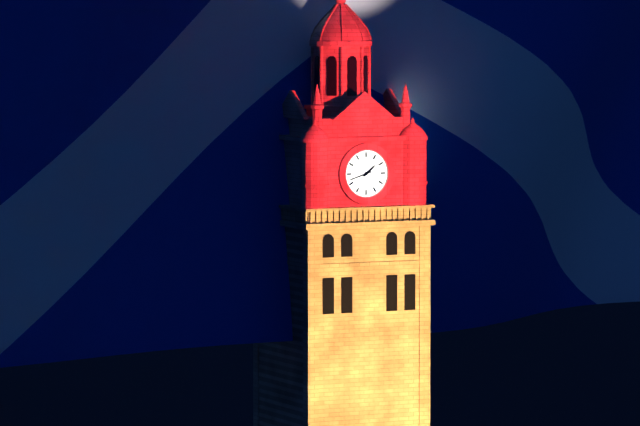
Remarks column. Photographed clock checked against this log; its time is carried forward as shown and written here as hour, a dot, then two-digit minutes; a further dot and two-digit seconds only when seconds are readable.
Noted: 1.42
